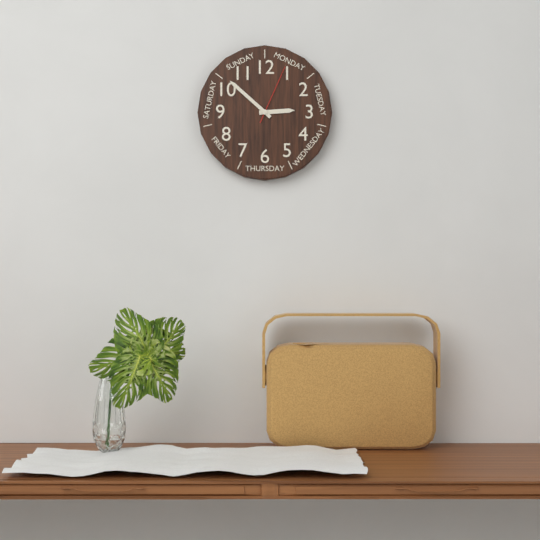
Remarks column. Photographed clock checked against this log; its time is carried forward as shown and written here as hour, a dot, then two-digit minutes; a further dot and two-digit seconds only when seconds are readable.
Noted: 2.52.04
